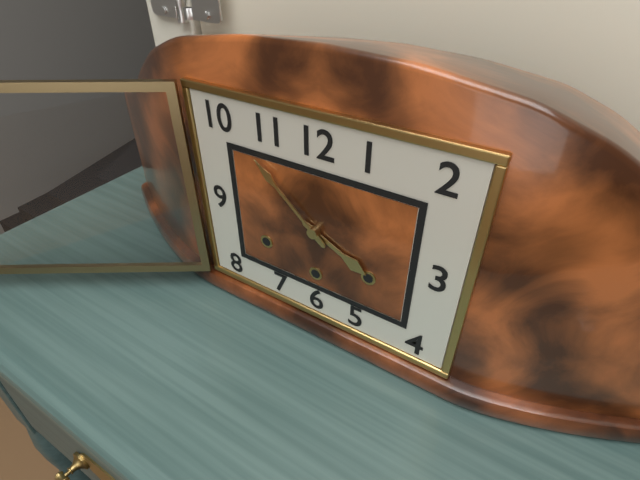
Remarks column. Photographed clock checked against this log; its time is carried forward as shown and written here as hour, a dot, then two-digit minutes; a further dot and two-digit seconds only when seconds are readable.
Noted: 3.52
